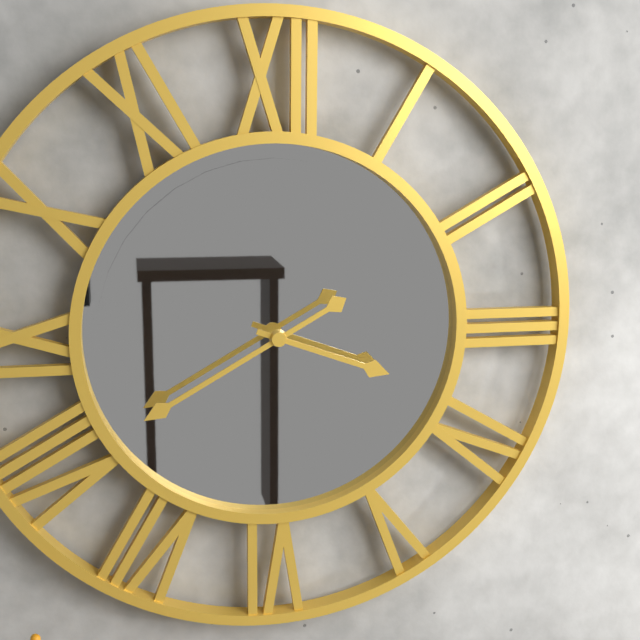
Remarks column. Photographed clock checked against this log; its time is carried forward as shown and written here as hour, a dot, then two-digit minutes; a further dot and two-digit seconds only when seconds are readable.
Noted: 3.40
